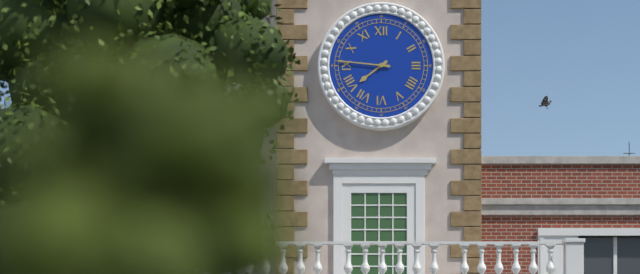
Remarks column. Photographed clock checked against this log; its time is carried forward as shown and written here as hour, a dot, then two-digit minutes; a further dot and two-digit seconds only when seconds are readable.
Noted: 7.46
